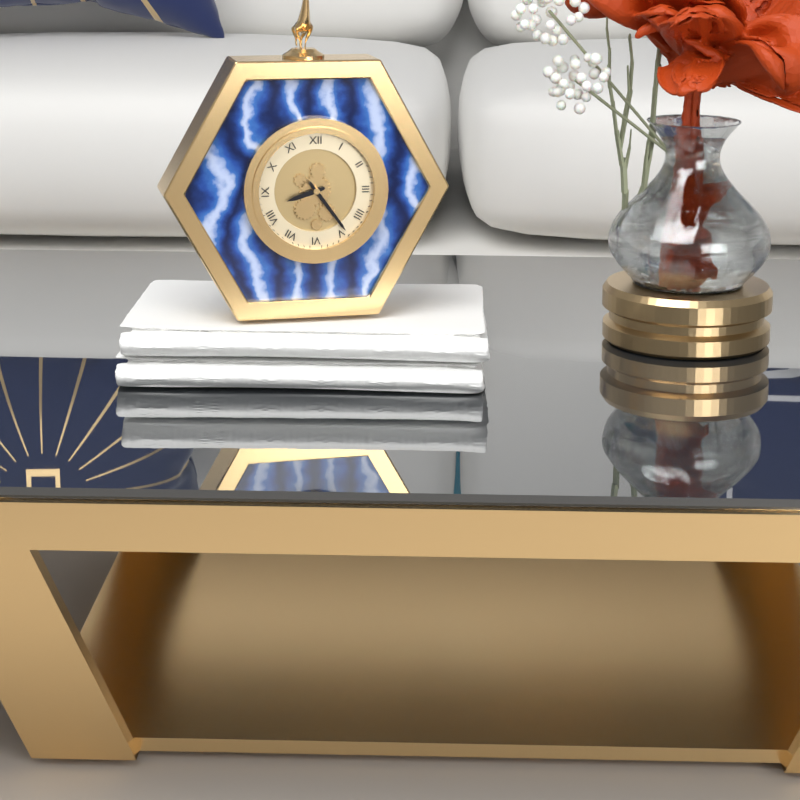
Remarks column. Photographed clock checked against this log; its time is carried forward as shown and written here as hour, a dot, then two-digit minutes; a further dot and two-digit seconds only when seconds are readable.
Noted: 8.24
